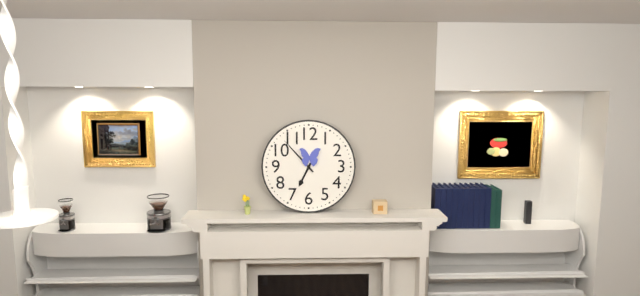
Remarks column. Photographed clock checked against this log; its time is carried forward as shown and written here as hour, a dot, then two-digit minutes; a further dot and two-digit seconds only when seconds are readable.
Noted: 6.53
